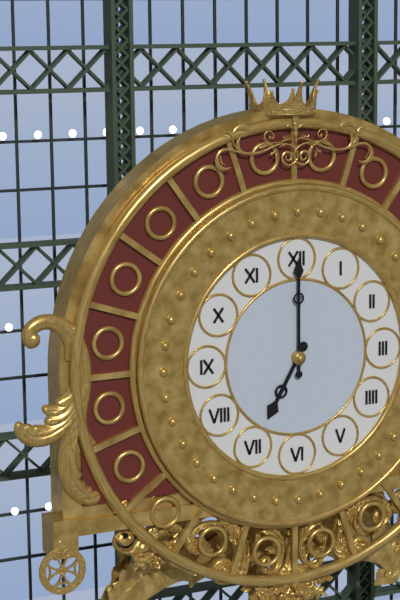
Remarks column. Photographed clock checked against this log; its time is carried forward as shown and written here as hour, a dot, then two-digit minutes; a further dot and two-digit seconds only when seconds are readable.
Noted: 7.00
